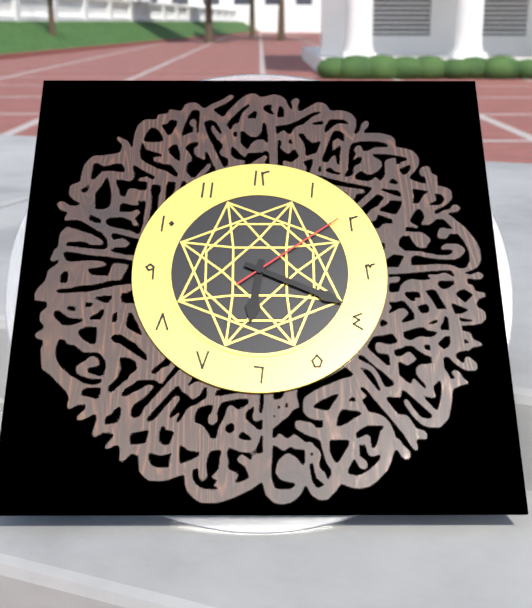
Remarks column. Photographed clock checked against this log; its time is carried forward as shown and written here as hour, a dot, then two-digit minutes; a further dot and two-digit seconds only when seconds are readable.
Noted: 6.19.09
